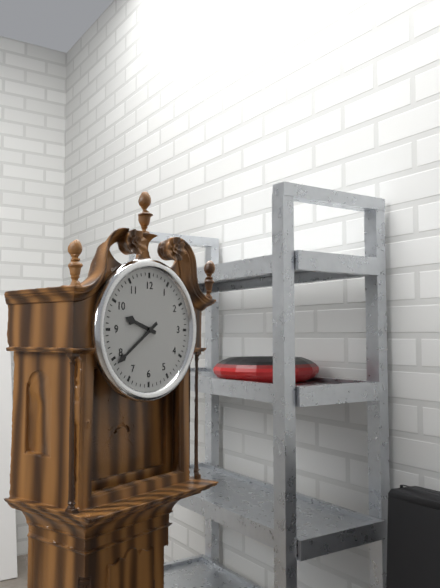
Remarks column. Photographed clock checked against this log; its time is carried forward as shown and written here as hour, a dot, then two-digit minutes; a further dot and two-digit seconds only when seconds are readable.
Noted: 9.39
